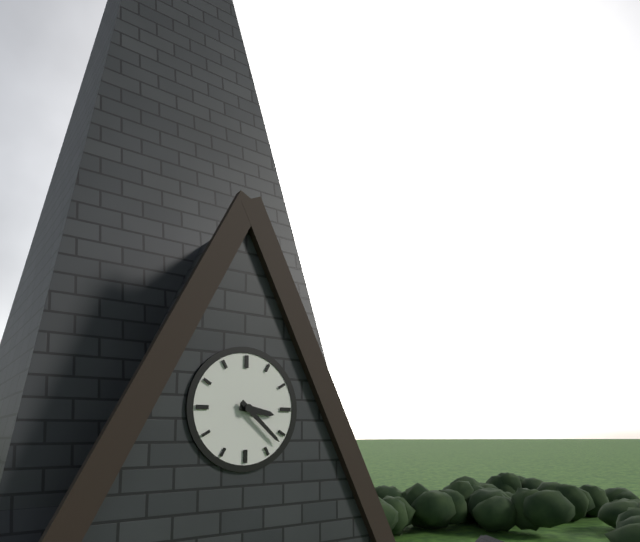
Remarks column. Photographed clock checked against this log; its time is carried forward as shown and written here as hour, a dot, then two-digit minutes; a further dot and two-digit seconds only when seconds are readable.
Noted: 3.22
